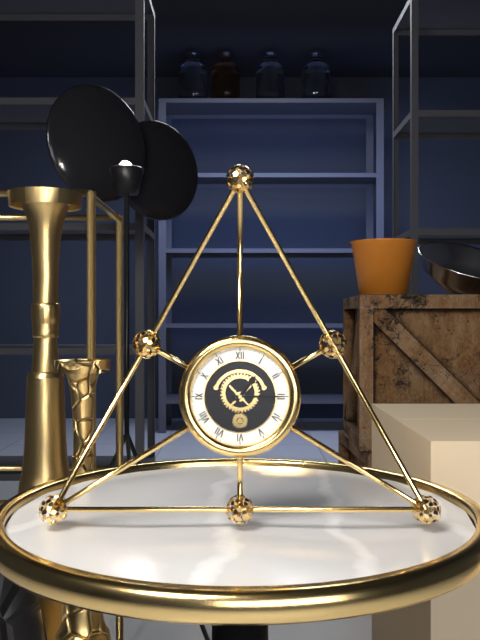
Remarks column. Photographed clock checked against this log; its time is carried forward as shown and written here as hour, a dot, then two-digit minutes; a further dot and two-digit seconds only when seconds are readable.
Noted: 1.15
